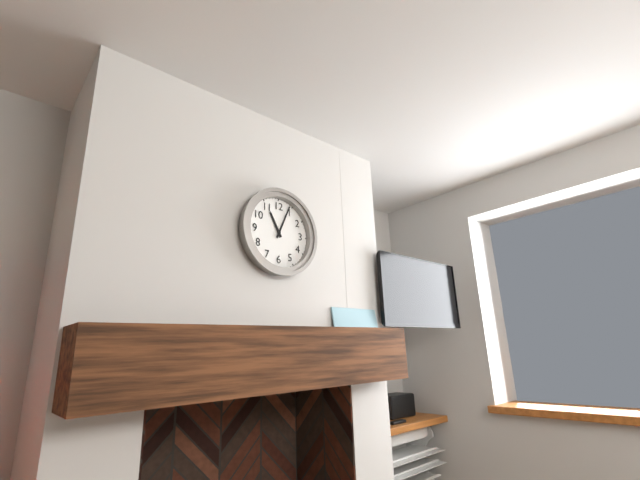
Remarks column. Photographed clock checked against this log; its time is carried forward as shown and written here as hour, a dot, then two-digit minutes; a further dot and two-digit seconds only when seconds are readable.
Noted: 11.04
